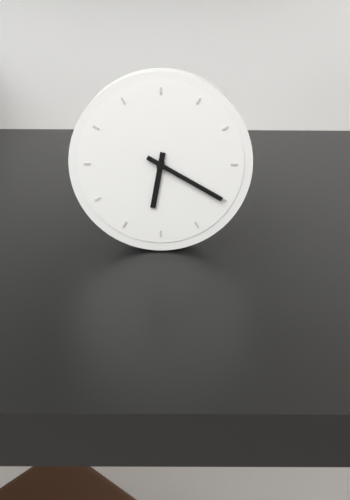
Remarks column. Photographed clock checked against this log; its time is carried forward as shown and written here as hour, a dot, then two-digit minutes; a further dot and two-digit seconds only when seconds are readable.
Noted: 6.20
